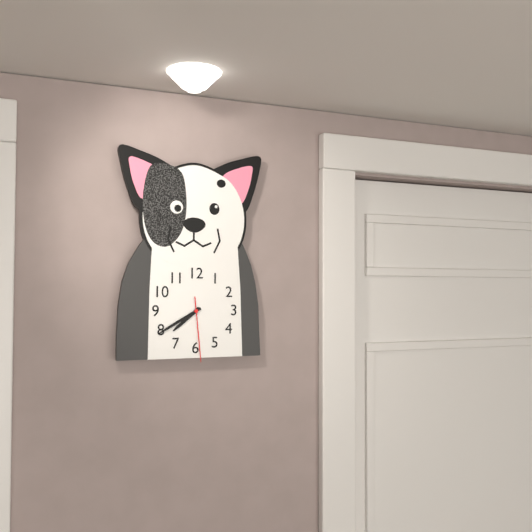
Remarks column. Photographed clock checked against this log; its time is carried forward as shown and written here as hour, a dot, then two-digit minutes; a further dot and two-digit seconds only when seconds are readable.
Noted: 7.40.29
